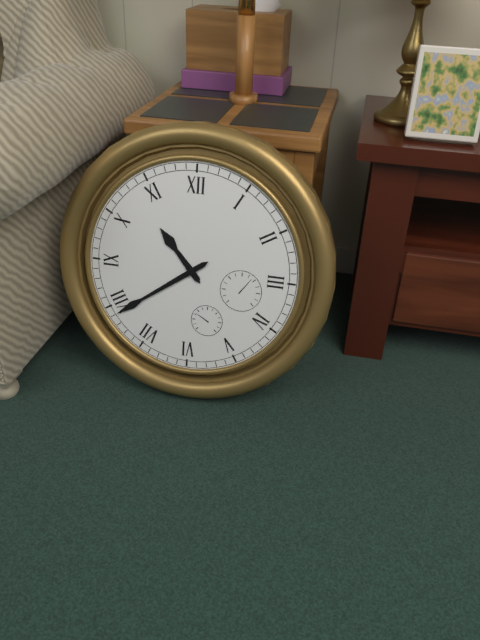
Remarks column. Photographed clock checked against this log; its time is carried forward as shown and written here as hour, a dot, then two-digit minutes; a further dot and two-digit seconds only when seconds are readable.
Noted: 10.39
